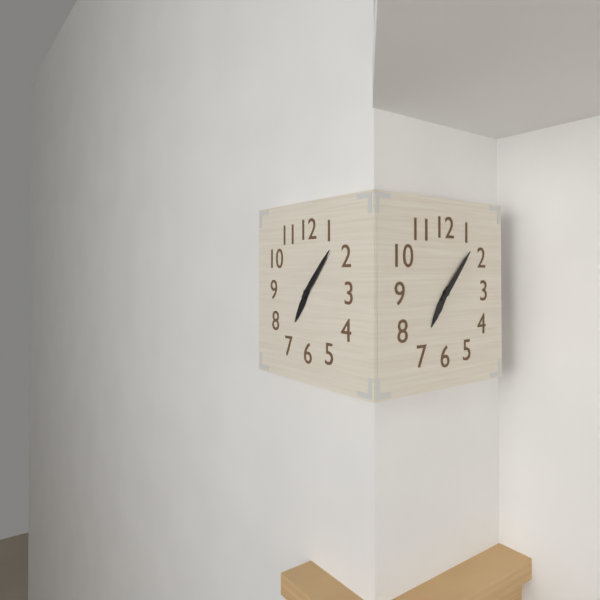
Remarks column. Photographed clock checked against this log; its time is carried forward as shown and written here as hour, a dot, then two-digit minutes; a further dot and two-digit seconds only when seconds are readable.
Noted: 7.07
